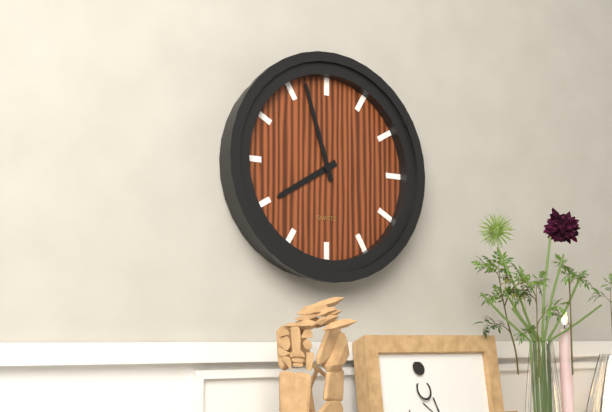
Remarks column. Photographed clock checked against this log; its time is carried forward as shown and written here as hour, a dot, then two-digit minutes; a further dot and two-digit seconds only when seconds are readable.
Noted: 7.57
